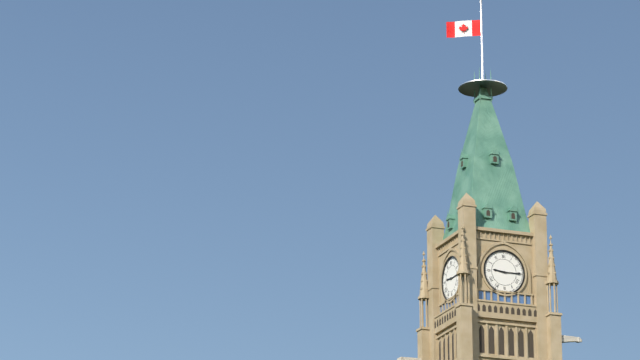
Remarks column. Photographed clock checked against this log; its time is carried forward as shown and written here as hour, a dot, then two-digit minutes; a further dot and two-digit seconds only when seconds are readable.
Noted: 9.15
